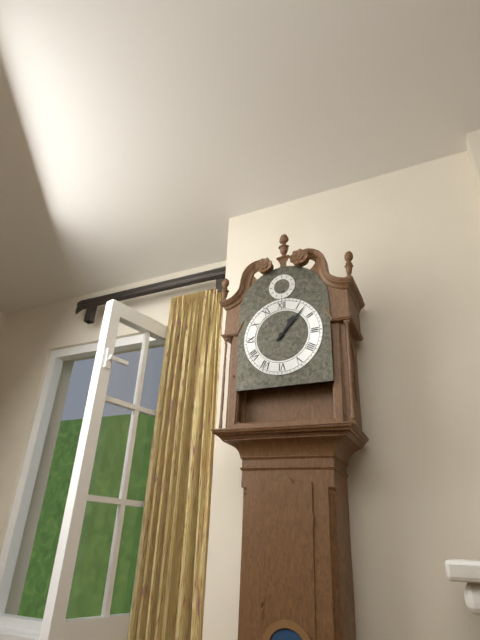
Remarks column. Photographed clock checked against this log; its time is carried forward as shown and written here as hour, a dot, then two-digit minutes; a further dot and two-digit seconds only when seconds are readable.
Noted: 1.07
